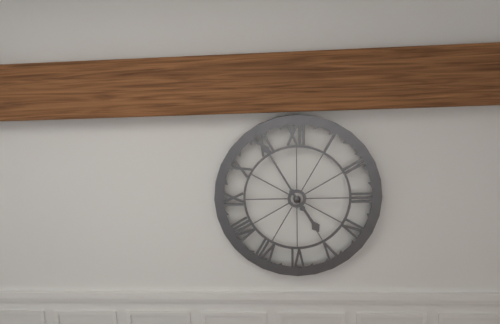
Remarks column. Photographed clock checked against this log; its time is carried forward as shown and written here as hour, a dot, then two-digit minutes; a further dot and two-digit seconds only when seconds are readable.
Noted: 4.55
